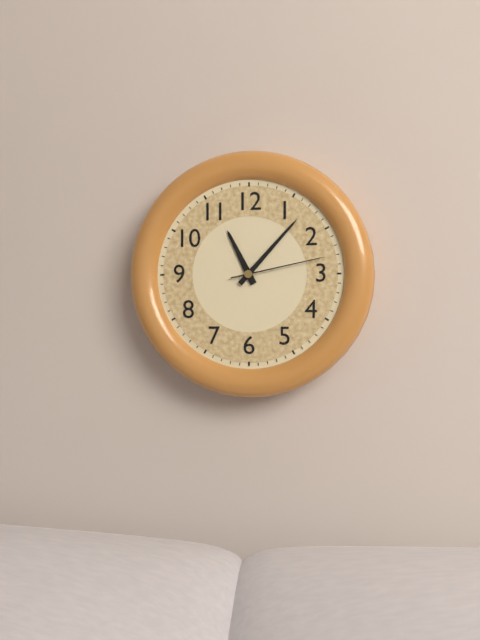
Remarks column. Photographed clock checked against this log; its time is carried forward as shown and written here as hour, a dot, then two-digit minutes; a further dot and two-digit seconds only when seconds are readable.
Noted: 11.07.13
